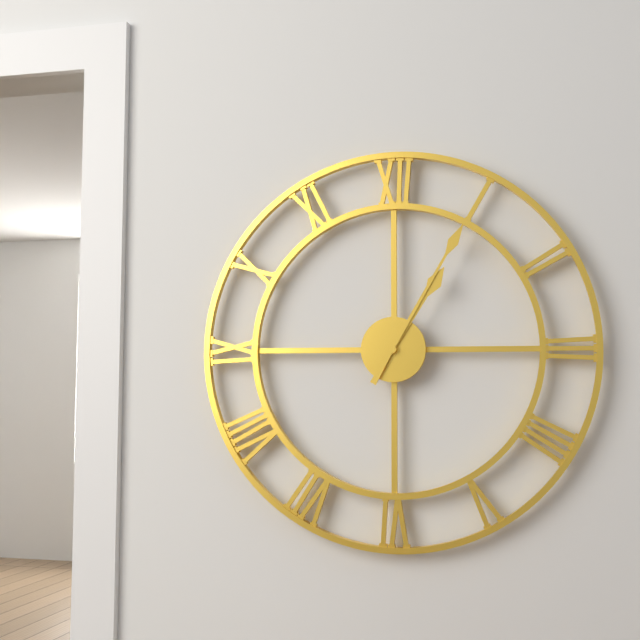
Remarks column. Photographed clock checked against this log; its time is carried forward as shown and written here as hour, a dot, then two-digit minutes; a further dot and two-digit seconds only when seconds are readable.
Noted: 1.05
